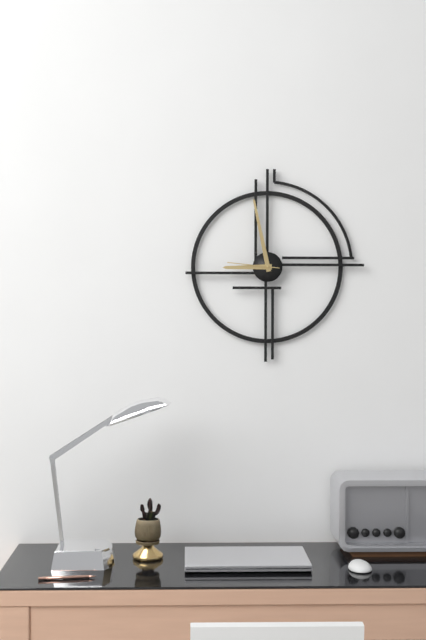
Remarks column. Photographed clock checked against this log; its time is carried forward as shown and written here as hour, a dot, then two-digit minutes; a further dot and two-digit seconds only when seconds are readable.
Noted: 8.58.46
